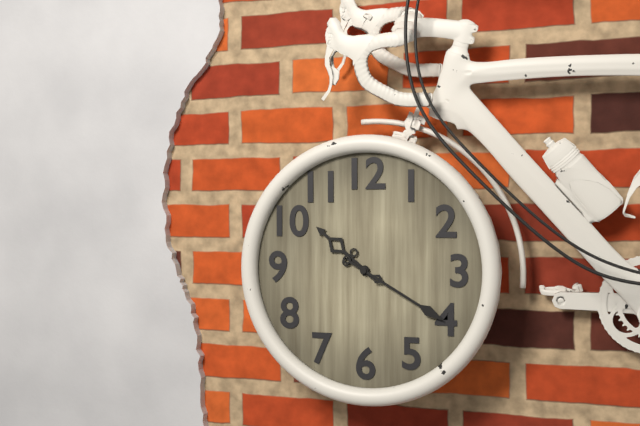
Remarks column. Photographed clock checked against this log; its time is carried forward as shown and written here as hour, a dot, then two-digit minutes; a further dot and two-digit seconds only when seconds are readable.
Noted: 10.20
